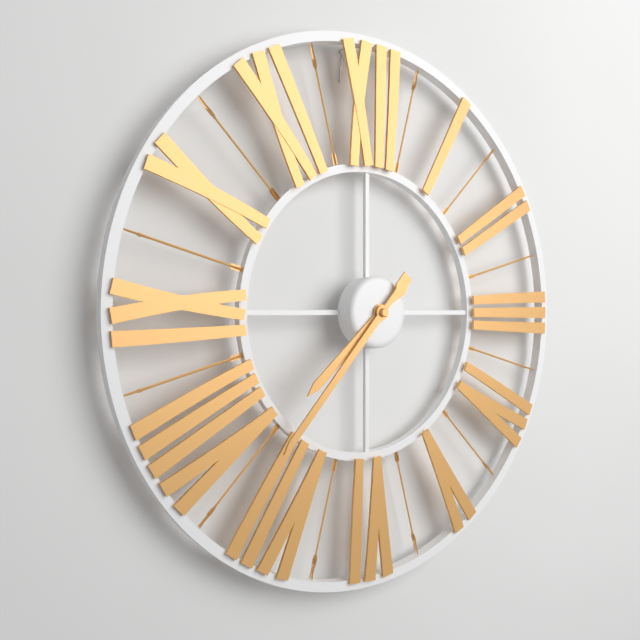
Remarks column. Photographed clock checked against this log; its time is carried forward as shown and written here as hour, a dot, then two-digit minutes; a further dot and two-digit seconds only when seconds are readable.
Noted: 7.37
